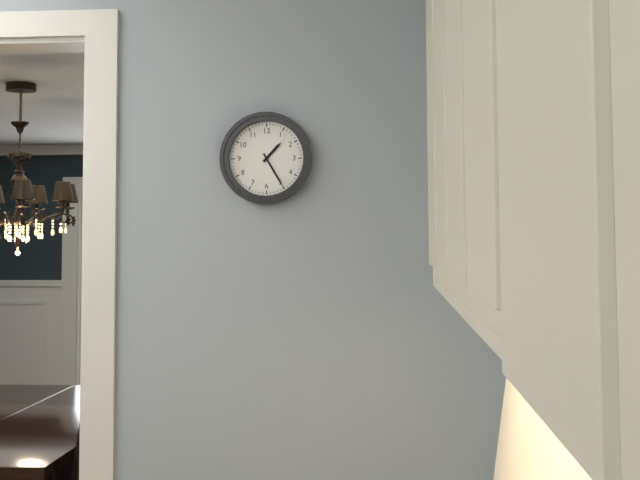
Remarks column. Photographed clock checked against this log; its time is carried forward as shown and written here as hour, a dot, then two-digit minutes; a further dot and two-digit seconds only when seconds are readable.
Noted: 1.25
